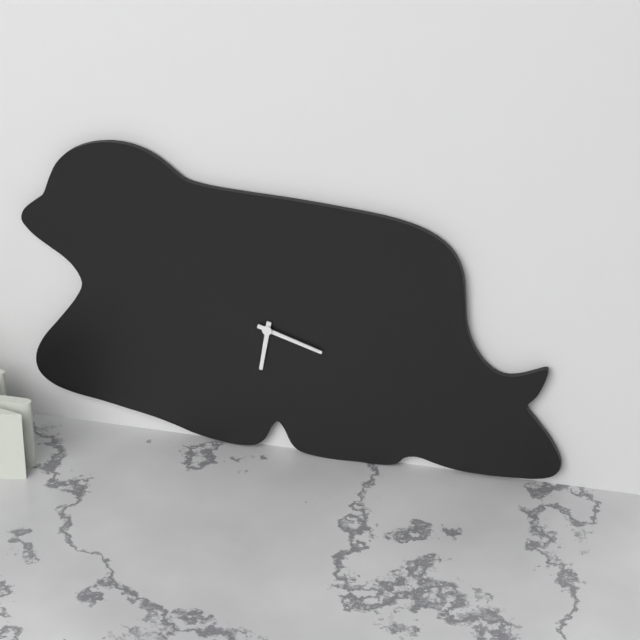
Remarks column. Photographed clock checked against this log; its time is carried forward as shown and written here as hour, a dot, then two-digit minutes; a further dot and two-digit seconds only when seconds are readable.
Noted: 6.18
